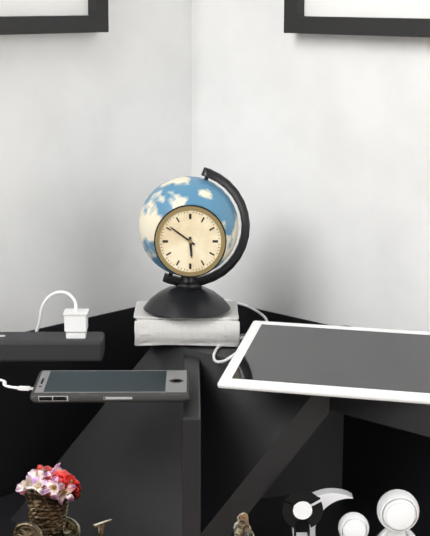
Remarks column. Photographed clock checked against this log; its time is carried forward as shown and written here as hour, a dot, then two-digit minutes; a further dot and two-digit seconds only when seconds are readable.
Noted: 5.51
